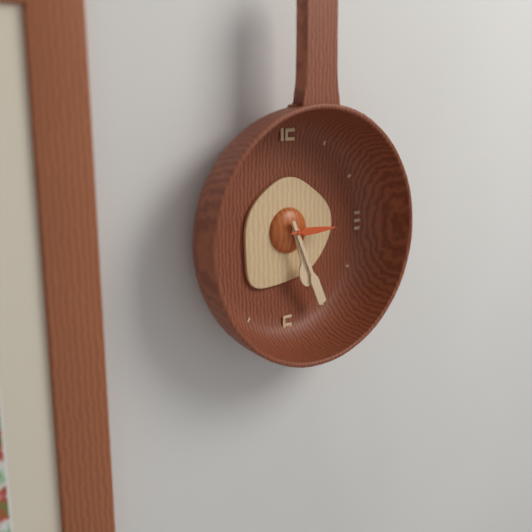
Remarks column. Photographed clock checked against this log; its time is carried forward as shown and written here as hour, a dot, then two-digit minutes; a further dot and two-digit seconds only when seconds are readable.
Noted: 5.26
